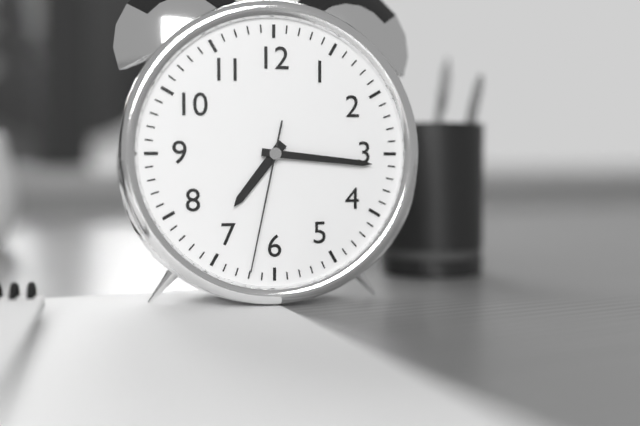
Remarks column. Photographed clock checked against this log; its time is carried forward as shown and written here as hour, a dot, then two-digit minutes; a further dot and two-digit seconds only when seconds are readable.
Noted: 7.16.32
